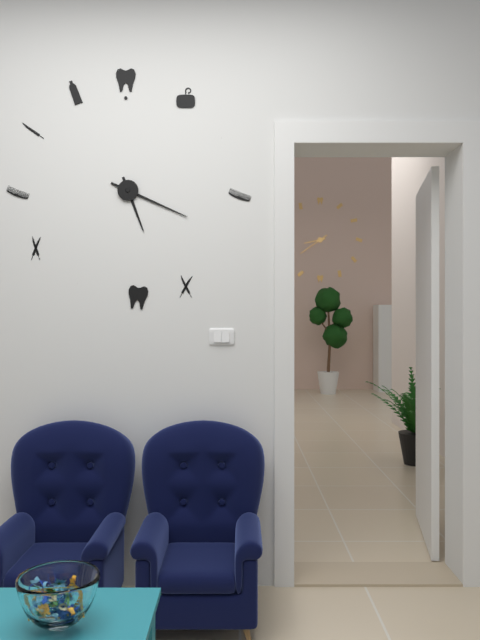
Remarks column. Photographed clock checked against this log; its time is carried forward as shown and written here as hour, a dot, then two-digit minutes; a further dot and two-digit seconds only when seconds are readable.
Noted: 5.19
